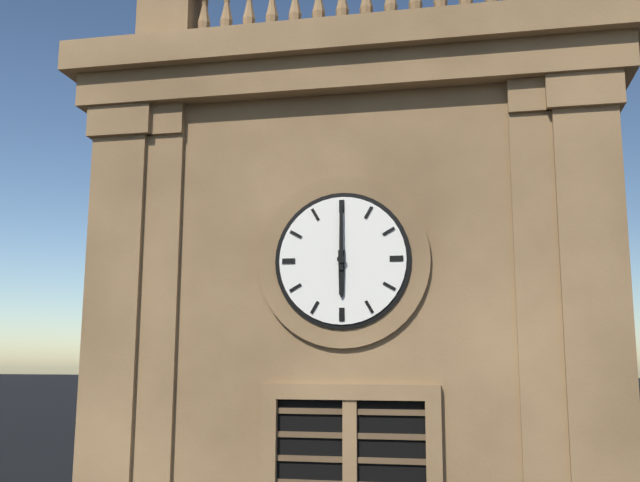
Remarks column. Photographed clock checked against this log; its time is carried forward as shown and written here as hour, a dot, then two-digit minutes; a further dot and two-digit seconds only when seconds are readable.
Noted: 6.00
